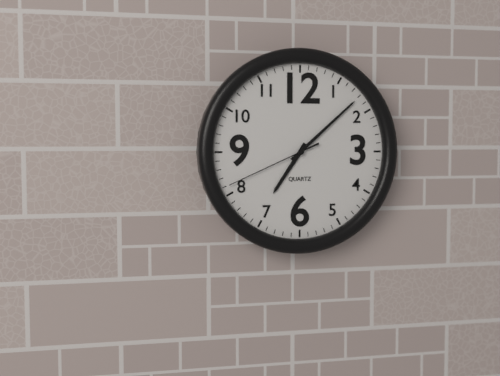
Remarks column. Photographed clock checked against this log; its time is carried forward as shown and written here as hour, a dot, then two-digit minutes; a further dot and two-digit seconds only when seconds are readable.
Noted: 7.08.41
